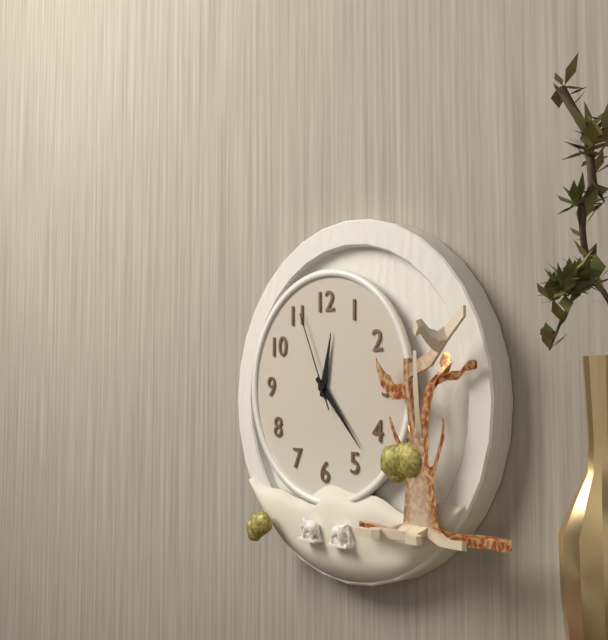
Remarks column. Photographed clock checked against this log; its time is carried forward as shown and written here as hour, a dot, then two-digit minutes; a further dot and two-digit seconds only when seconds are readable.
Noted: 12.23.56
